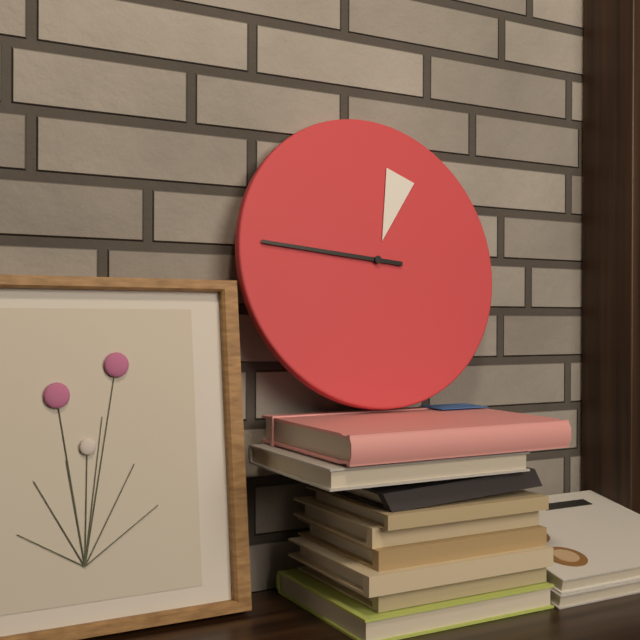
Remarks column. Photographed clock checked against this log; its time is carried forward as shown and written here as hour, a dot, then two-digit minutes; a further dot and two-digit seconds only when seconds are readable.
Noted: 12.46
